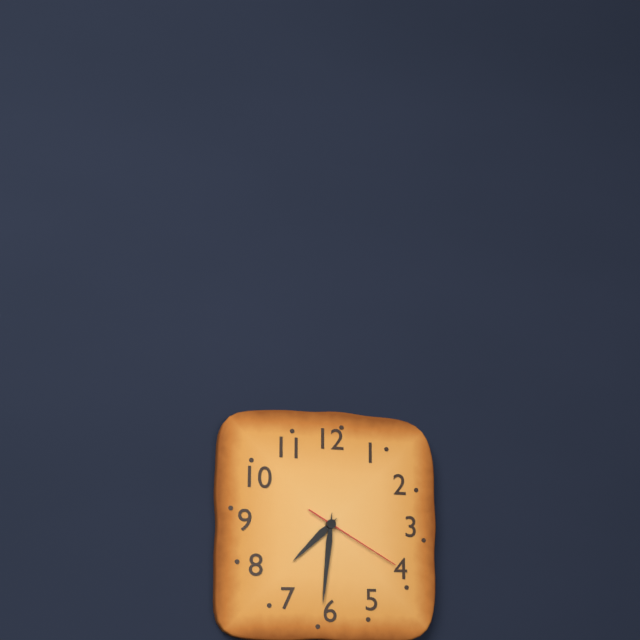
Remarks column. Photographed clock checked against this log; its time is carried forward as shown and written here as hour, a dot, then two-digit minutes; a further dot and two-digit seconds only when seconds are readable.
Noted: 7.31.20
